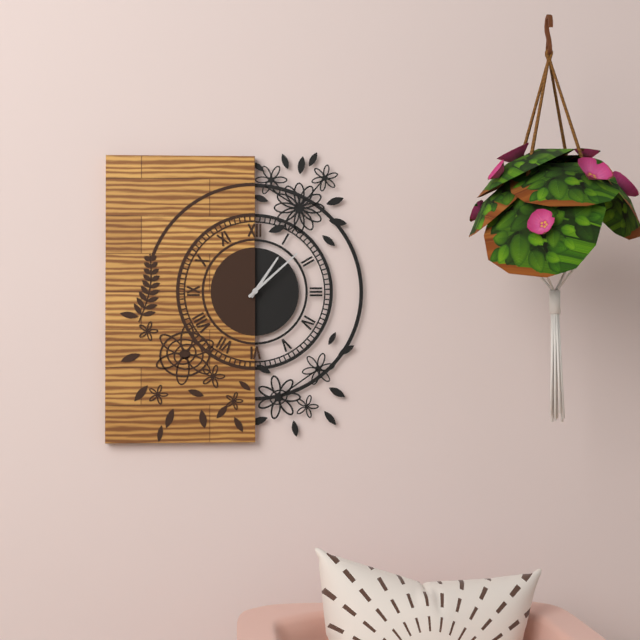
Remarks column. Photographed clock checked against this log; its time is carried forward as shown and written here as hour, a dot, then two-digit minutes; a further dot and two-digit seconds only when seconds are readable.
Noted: 1.08
